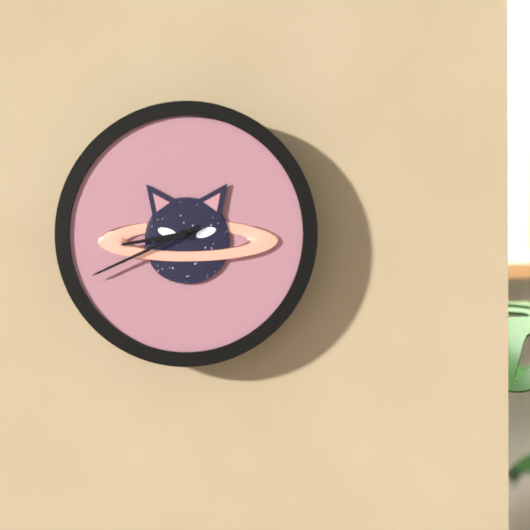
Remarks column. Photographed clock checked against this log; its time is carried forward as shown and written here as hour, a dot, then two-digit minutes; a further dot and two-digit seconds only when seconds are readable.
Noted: 8.41
